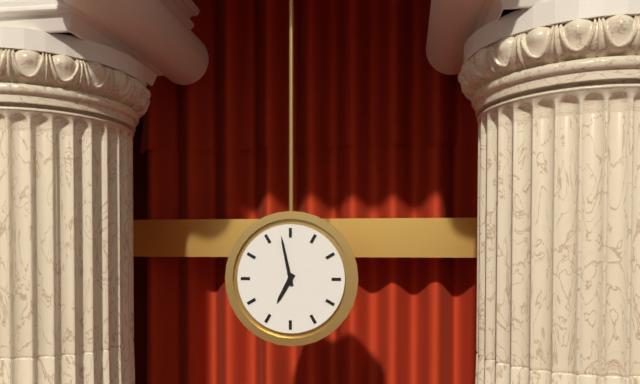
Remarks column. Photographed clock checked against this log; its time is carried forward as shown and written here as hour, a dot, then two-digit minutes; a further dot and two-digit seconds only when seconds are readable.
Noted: 6.58
